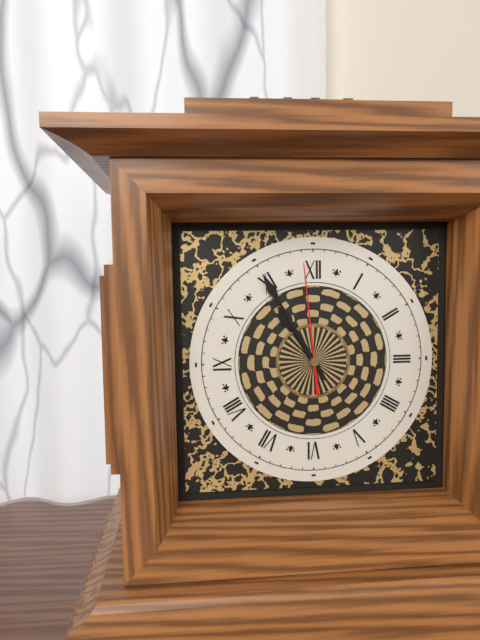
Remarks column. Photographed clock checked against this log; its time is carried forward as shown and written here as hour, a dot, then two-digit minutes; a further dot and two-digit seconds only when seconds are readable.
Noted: 10.55.59
